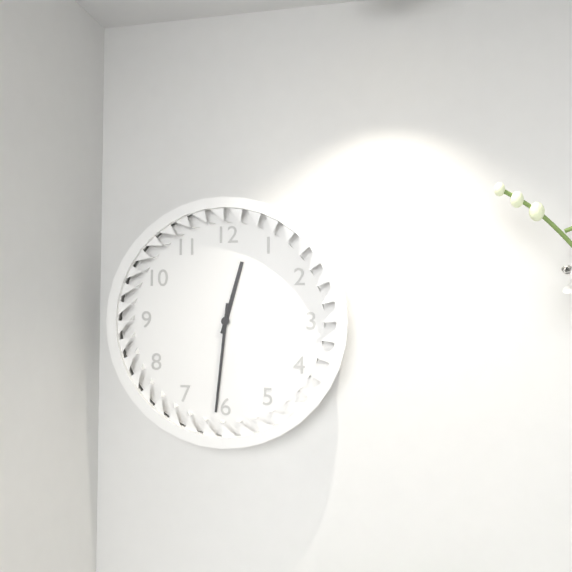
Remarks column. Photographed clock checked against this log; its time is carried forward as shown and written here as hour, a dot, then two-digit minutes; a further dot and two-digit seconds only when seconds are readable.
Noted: 12.31
